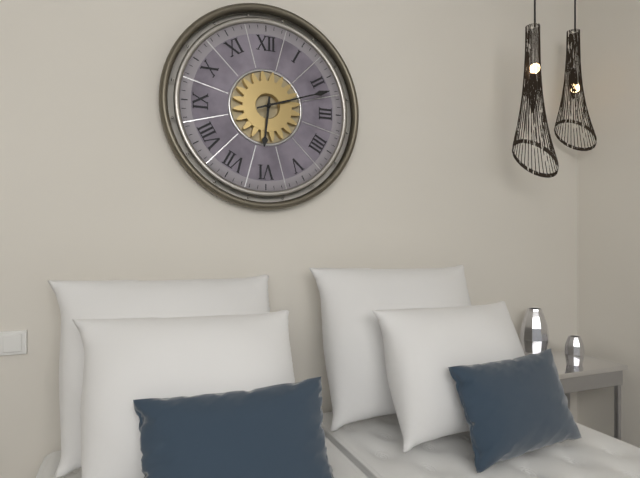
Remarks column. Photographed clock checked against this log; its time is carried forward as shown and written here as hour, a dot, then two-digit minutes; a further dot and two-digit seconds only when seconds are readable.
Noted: 6.12
